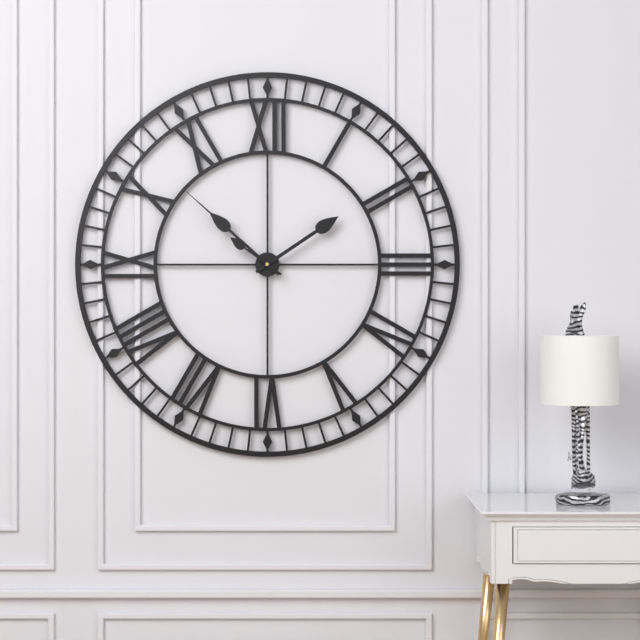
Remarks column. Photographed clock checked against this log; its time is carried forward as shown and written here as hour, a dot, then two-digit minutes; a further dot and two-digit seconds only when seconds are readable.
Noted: 1.52.51
